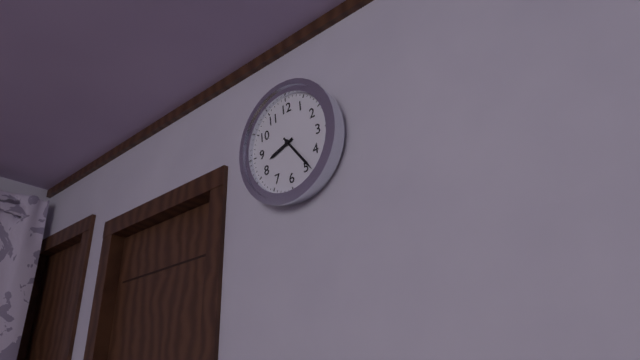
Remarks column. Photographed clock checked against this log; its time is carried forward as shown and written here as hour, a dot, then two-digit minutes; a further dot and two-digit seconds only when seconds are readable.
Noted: 8.24
